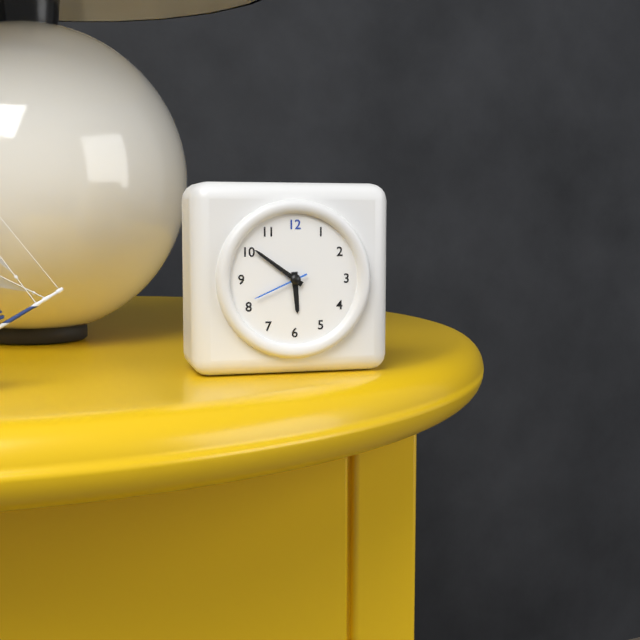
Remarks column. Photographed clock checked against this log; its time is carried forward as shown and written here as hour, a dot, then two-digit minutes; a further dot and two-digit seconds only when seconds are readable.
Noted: 5.51.41
